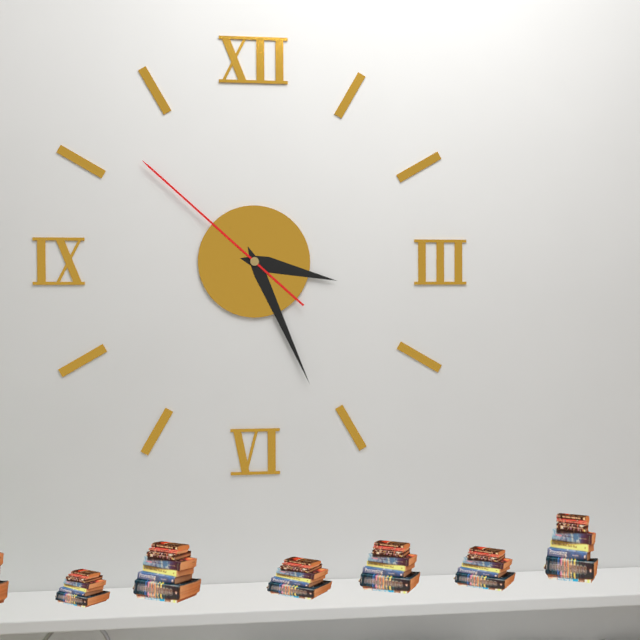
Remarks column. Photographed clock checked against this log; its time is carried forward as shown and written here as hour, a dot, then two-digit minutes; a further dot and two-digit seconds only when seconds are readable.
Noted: 3.26.52
